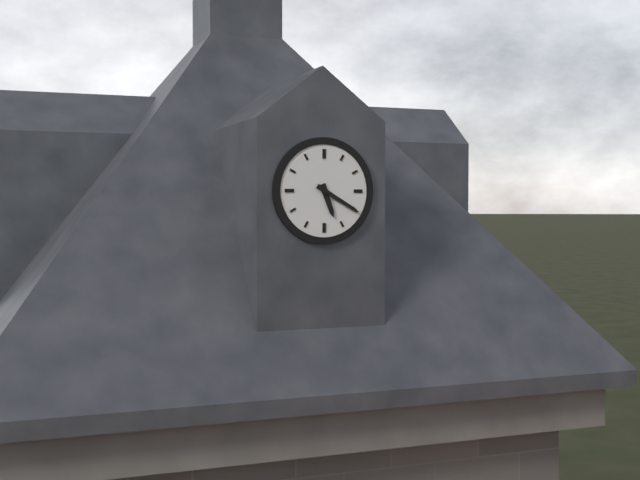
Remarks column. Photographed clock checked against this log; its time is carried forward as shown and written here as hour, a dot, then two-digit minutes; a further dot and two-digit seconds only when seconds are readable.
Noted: 5.20
